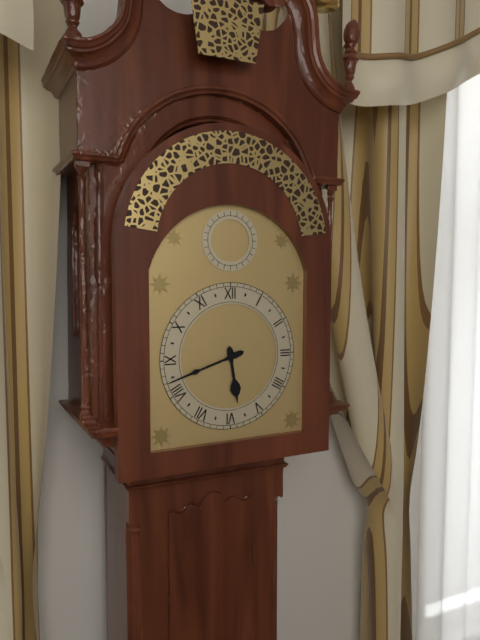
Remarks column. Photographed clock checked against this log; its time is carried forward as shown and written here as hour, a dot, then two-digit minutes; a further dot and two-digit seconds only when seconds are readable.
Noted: 5.42
